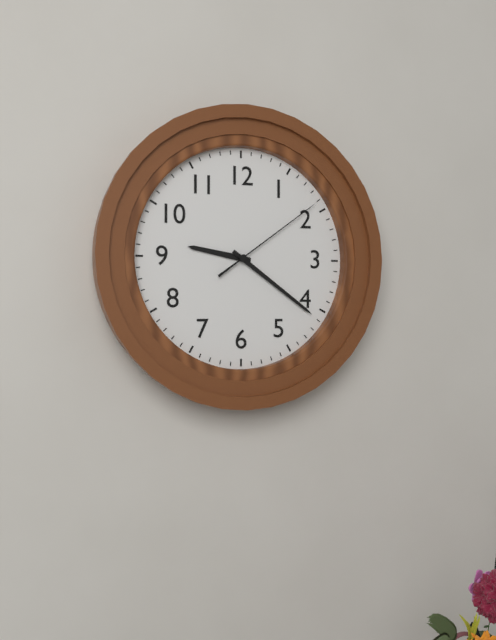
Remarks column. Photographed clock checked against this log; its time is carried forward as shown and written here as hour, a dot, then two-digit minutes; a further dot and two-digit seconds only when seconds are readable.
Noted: 9.21.09
